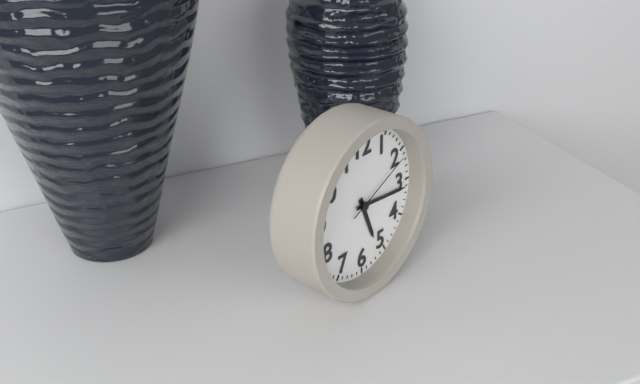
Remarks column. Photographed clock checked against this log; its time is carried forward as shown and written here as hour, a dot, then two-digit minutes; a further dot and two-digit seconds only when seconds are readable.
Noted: 5.16.11
